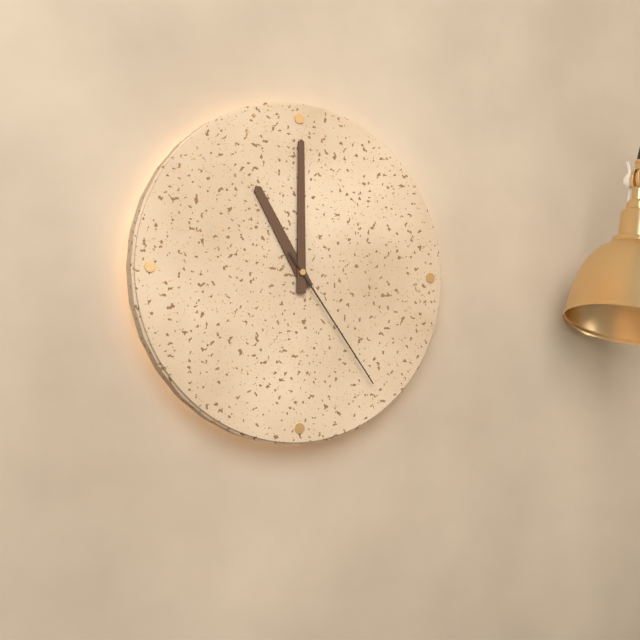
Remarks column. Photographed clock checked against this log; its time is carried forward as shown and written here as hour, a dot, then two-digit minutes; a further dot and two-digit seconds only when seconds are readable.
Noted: 11.00.24
